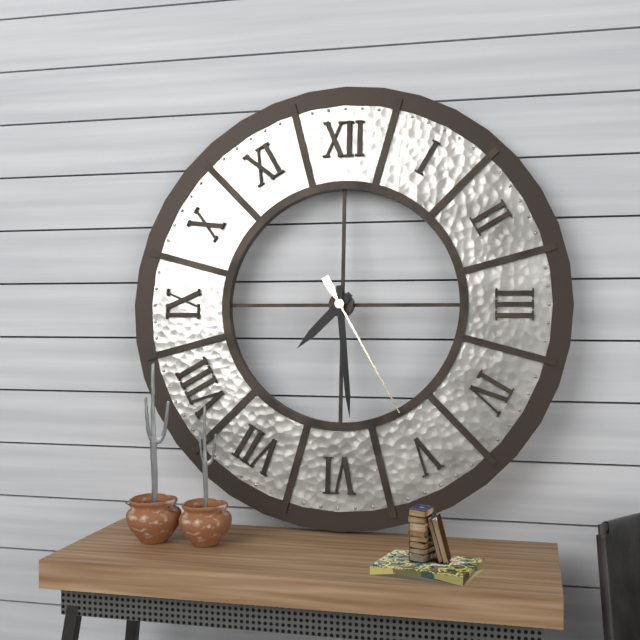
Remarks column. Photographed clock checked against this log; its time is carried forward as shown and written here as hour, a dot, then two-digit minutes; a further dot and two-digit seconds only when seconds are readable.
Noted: 7.29.25
